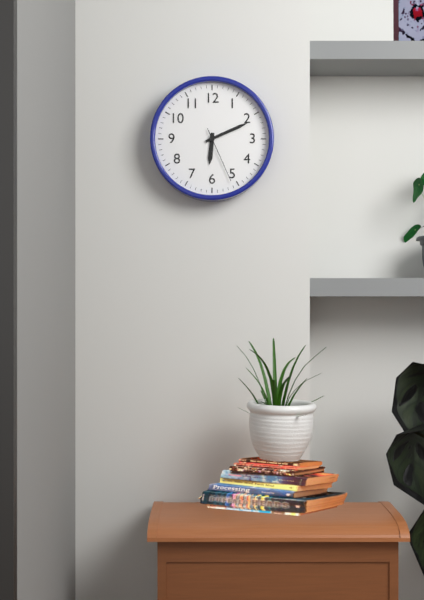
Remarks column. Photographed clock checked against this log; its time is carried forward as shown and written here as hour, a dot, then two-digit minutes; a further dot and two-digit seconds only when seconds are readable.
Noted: 6.11.26
